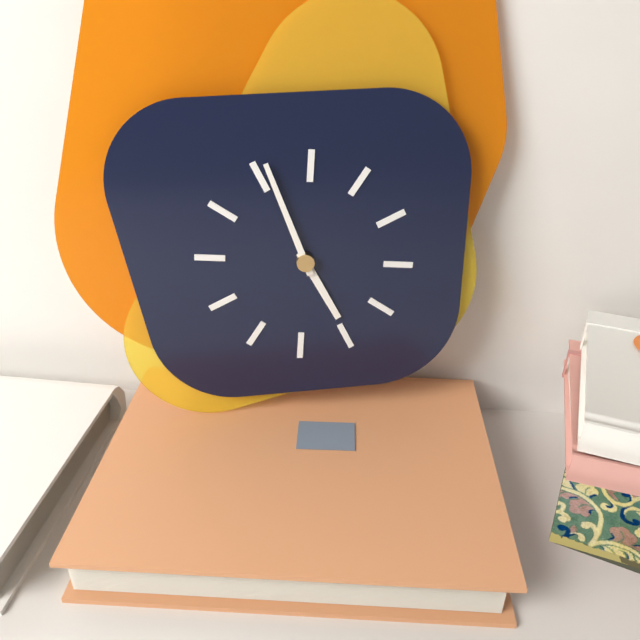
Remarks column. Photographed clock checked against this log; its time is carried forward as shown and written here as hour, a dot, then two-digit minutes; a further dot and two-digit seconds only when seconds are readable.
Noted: 4.56
